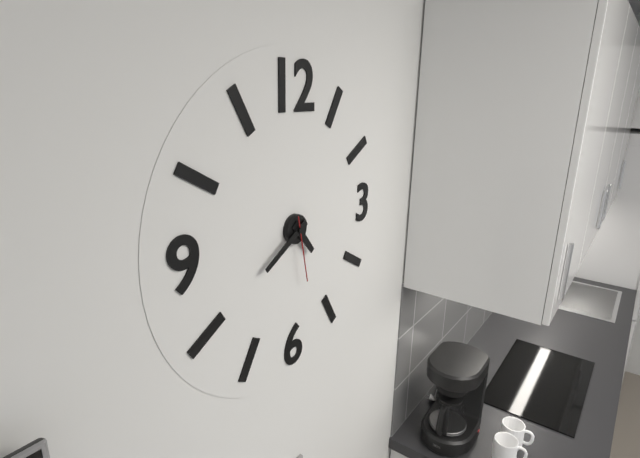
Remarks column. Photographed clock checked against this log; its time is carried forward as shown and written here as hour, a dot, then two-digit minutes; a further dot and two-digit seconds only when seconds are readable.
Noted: 4.40.28
